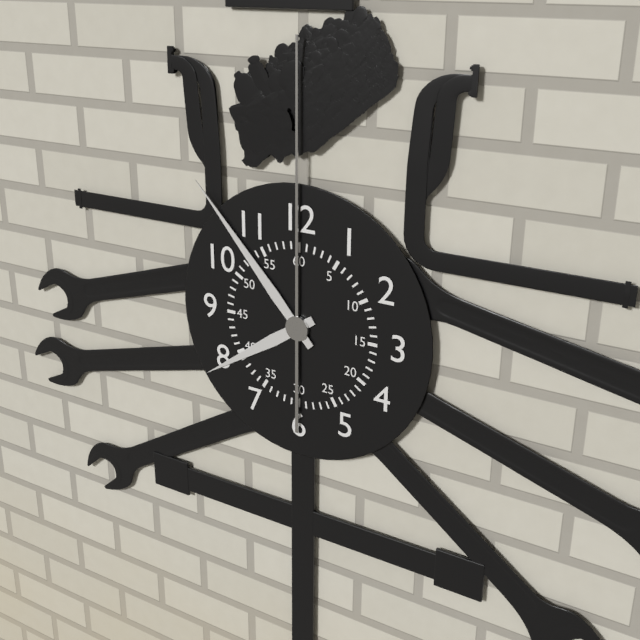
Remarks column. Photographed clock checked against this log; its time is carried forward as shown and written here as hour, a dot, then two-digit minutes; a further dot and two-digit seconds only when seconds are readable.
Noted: 7.53.00
